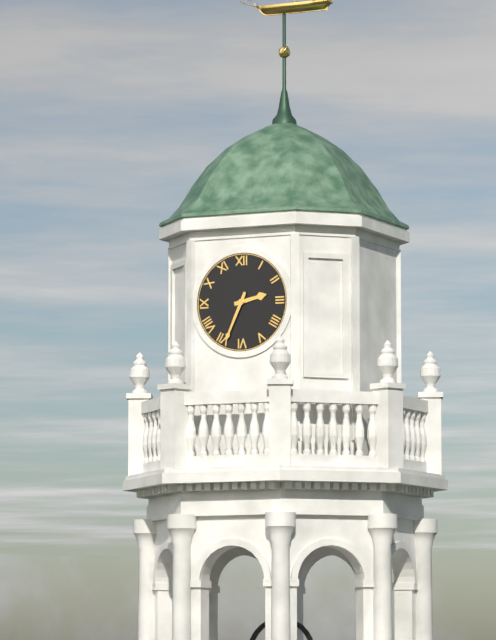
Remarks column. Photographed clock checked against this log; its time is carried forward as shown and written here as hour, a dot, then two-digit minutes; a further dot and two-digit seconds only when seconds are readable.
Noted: 2.34
